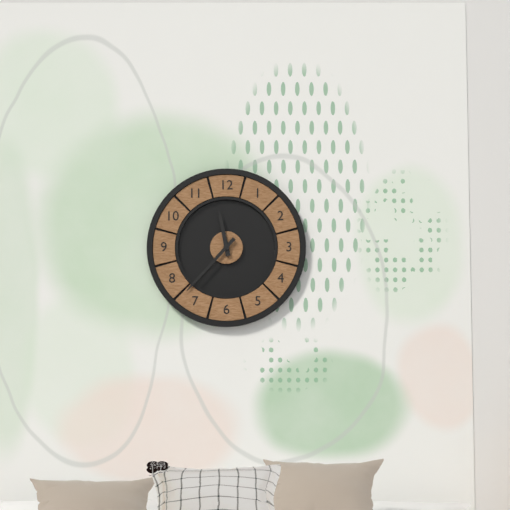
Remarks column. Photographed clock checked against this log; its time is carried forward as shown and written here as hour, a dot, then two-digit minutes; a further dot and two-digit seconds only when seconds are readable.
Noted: 11.37
